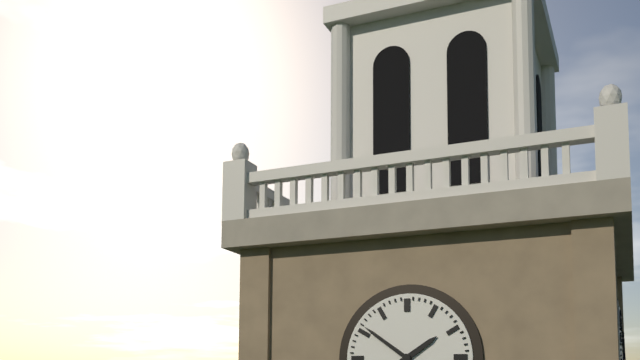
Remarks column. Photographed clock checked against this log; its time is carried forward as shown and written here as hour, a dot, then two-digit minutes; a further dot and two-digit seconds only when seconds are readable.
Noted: 1.51
